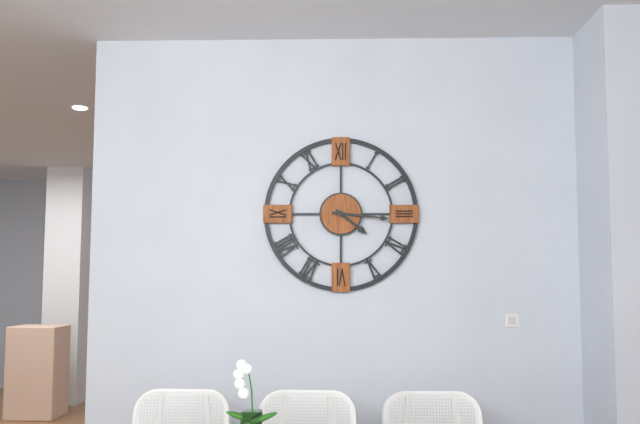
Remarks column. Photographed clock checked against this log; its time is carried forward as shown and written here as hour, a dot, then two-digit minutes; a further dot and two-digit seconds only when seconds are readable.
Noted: 4.16
